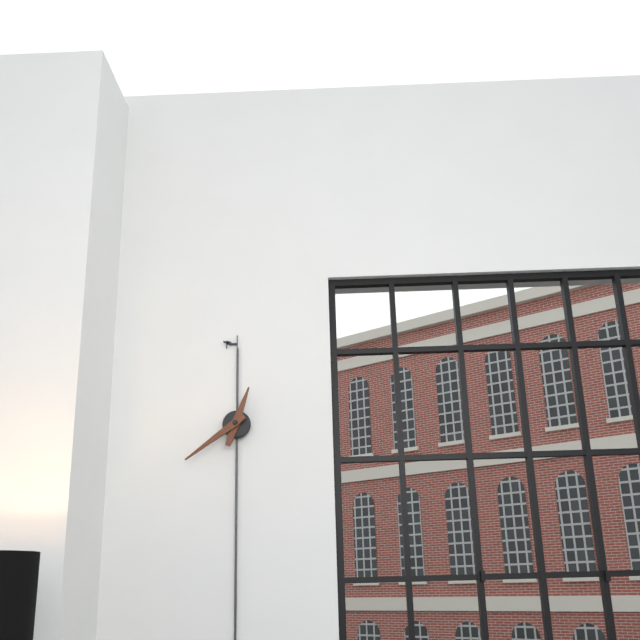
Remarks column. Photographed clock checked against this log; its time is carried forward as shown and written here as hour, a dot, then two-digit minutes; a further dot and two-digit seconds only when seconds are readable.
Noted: 12.39
